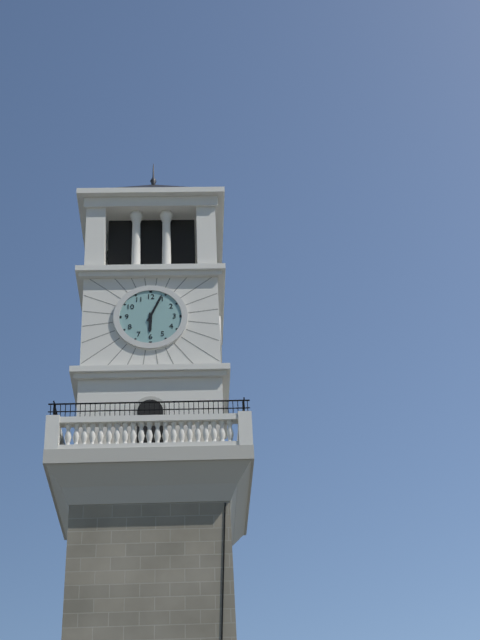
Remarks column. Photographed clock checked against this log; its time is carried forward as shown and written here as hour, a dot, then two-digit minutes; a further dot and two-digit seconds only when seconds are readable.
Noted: 6.04
